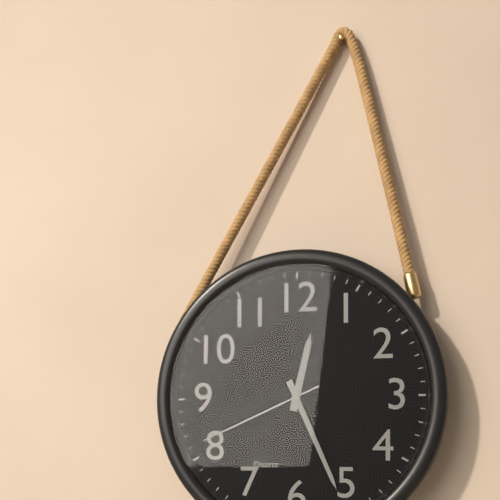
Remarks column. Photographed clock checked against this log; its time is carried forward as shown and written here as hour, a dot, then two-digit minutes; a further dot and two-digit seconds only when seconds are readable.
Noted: 12.26.41
